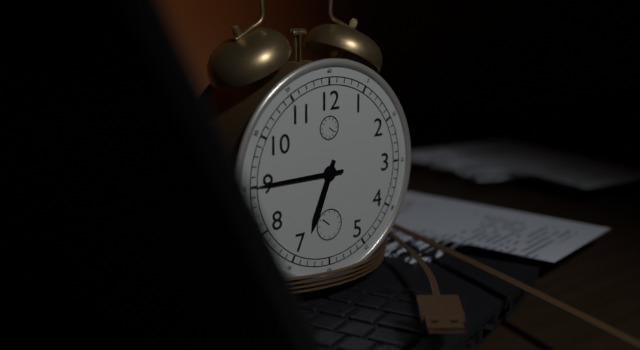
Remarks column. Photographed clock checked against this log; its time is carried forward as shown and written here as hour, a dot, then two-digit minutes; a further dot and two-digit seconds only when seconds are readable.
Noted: 6.45
